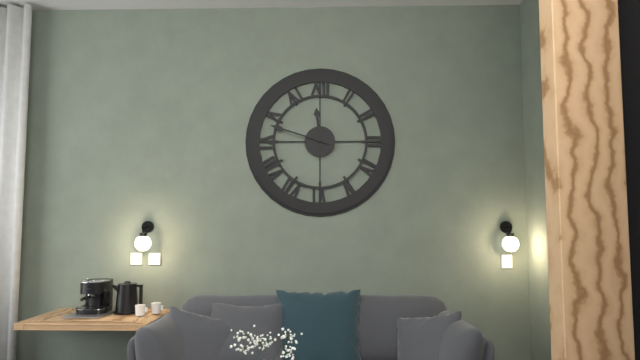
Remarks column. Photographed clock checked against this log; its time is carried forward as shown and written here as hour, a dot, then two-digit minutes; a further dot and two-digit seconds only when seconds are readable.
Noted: 11.48
